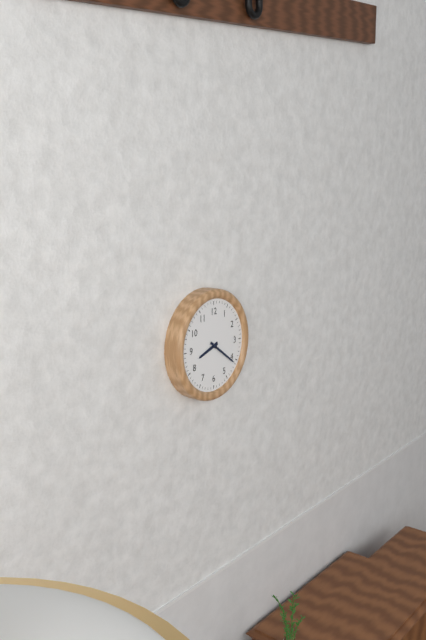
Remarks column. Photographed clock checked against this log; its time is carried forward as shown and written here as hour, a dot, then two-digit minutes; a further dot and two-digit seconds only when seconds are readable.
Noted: 8.21
